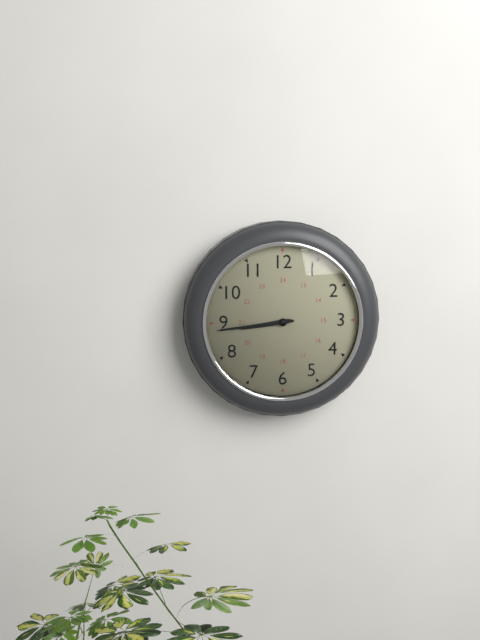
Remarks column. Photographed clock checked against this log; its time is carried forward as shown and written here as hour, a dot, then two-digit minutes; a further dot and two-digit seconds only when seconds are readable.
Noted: 8.44
